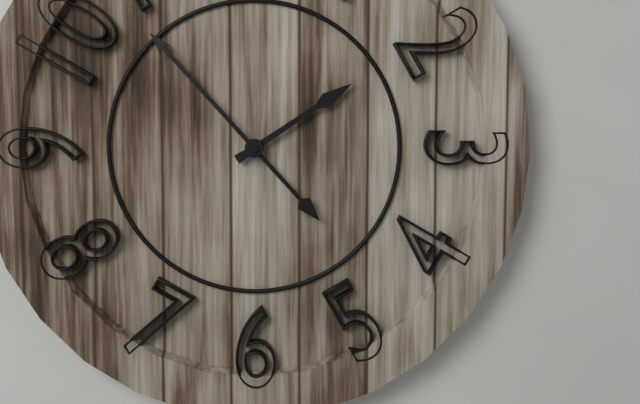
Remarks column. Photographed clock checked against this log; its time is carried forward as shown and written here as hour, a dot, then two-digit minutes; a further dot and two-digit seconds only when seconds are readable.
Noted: 1.53
